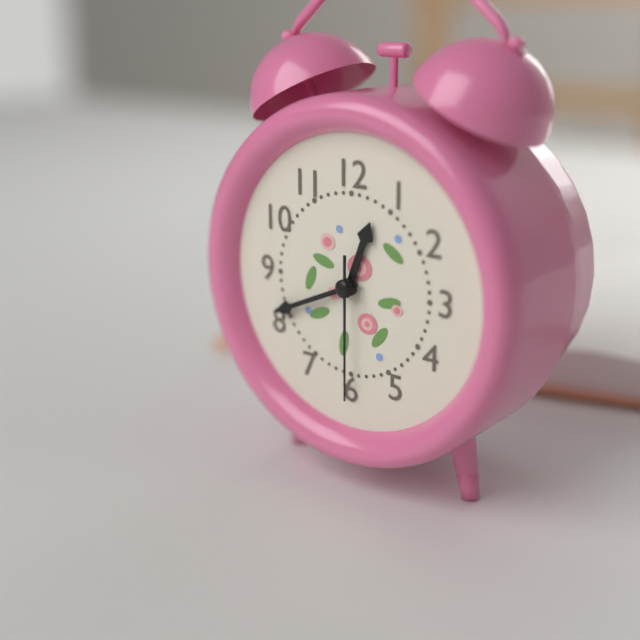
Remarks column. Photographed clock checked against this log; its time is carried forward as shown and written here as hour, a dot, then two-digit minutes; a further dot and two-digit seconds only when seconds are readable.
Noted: 12.41.30
